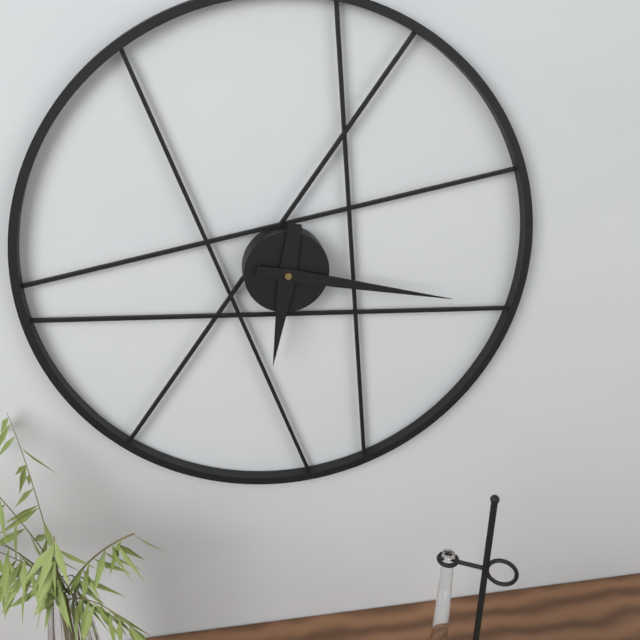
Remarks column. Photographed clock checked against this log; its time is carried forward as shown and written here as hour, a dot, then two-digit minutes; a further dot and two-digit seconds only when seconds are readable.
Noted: 6.17
